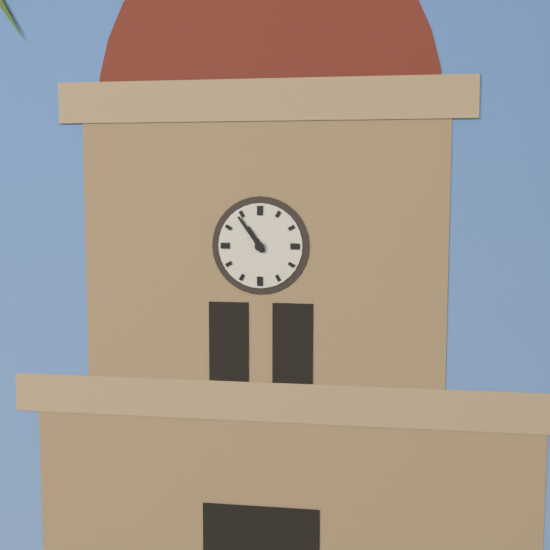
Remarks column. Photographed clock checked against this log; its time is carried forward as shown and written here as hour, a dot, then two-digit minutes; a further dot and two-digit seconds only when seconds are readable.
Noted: 10.54
